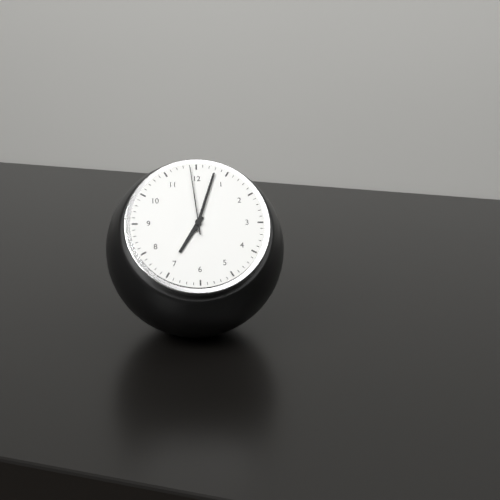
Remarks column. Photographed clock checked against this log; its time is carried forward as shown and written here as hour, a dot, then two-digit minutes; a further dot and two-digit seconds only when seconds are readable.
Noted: 7.03.59
